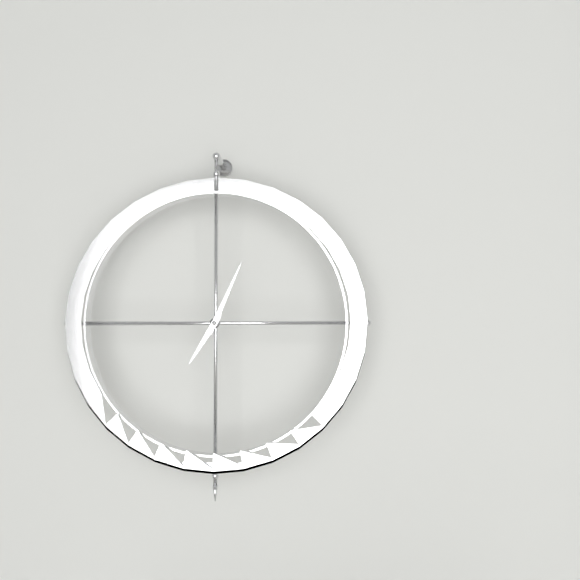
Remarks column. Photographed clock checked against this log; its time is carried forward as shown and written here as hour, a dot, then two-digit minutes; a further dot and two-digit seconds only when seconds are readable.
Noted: 7.04
